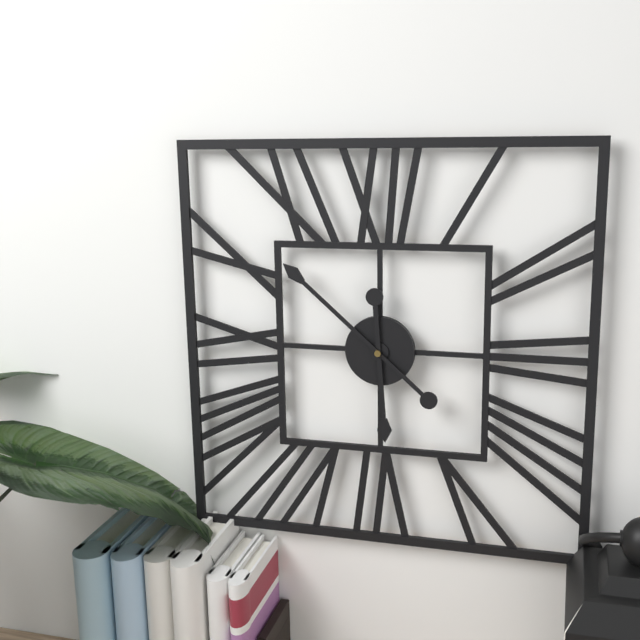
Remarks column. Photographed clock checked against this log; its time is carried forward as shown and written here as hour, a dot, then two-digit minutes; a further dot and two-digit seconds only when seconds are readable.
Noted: 5.52
